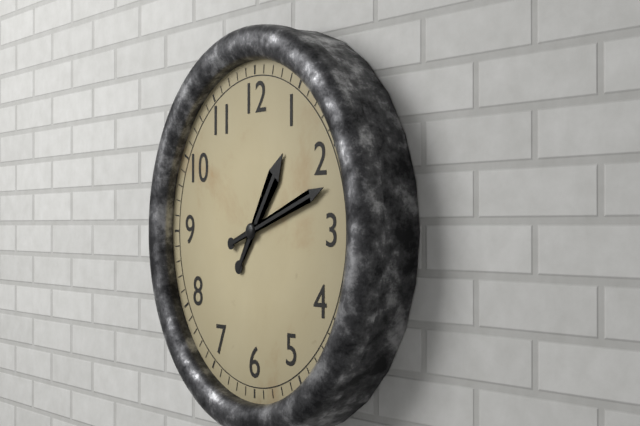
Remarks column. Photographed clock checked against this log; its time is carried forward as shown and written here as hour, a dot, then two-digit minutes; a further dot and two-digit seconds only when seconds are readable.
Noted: 1.12
